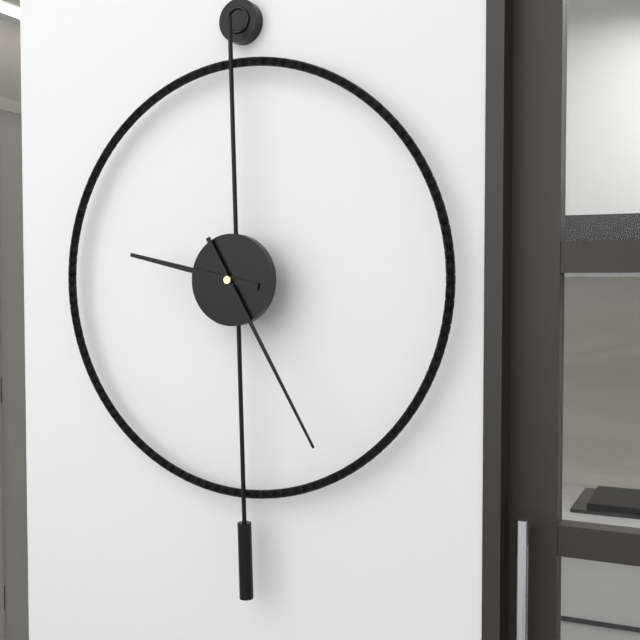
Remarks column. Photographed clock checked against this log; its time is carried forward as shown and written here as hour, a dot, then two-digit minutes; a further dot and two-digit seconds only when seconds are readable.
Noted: 9.25
